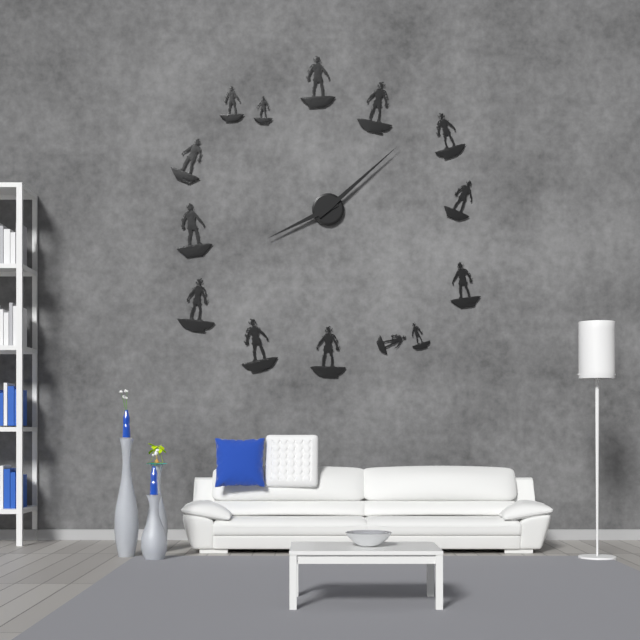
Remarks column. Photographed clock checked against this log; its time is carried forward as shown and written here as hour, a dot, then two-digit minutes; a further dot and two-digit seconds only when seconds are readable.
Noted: 8.08
